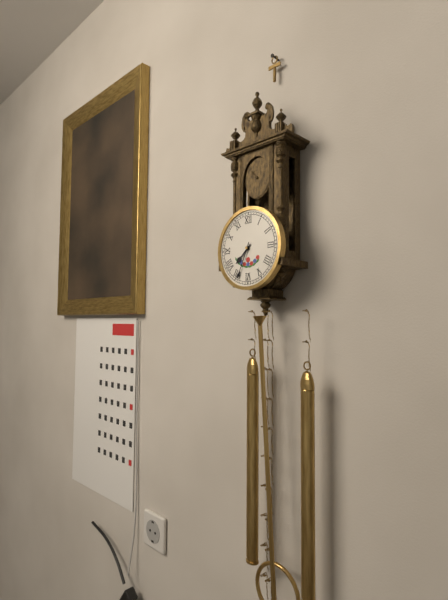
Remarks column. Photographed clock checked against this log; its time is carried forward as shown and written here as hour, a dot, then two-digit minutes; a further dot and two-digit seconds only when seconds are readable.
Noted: 7.34
